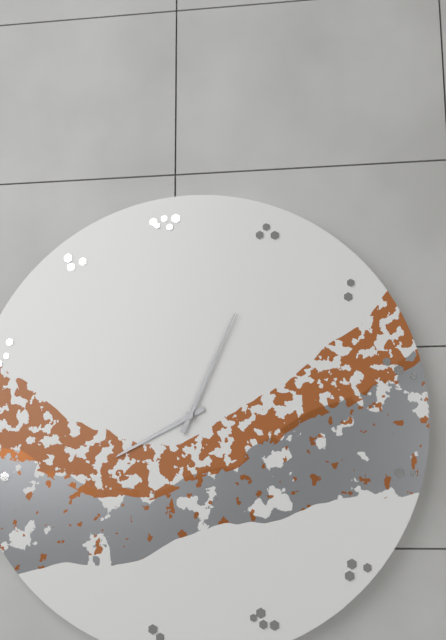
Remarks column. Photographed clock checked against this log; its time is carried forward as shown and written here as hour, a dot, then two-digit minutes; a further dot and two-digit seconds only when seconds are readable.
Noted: 8.04
